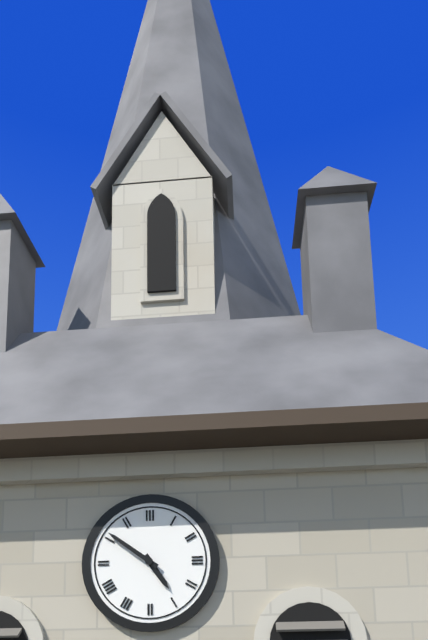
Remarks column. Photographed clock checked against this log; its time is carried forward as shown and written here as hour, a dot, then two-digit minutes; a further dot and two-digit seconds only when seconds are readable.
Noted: 4.51
